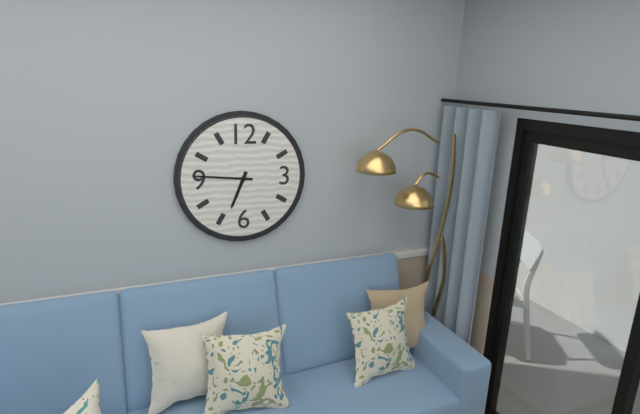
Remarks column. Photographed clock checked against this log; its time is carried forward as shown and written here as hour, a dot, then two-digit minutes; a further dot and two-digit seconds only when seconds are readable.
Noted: 6.46
